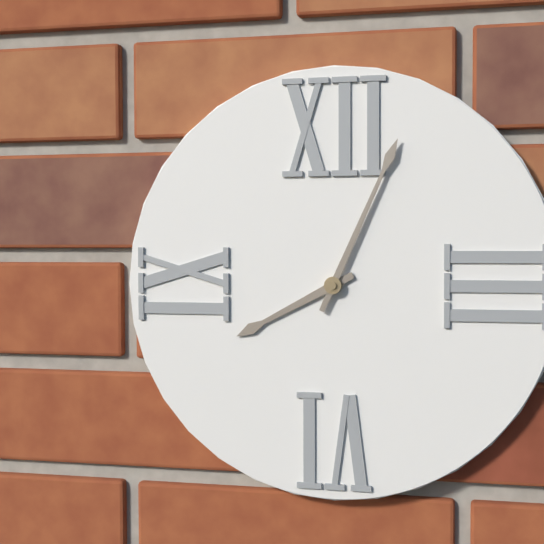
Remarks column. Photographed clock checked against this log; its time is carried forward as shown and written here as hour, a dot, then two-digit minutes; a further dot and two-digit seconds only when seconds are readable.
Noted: 8.04
